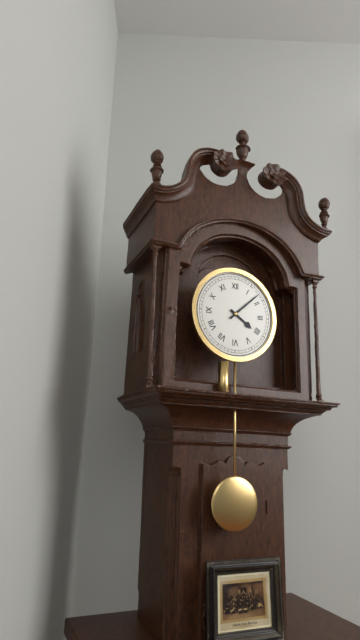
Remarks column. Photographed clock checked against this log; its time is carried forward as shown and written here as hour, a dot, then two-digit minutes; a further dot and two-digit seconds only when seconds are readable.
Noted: 4.08
